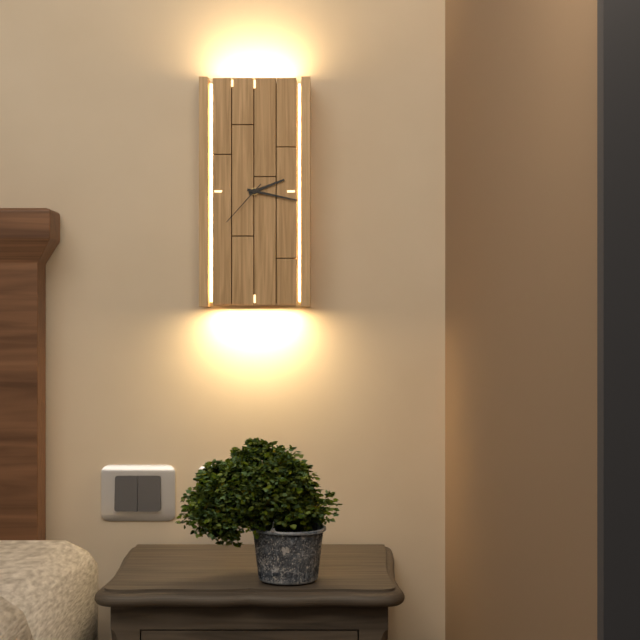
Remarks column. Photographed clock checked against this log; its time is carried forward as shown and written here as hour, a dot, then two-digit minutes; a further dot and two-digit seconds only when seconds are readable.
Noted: 2.17.37
